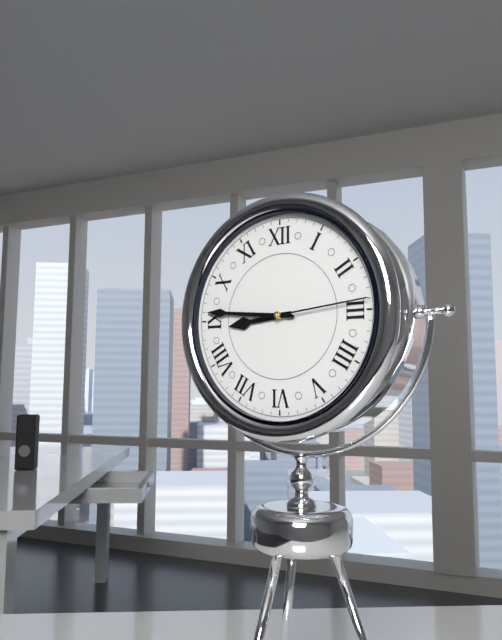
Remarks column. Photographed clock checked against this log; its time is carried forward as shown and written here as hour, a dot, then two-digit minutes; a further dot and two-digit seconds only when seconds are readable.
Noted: 8.46.14
